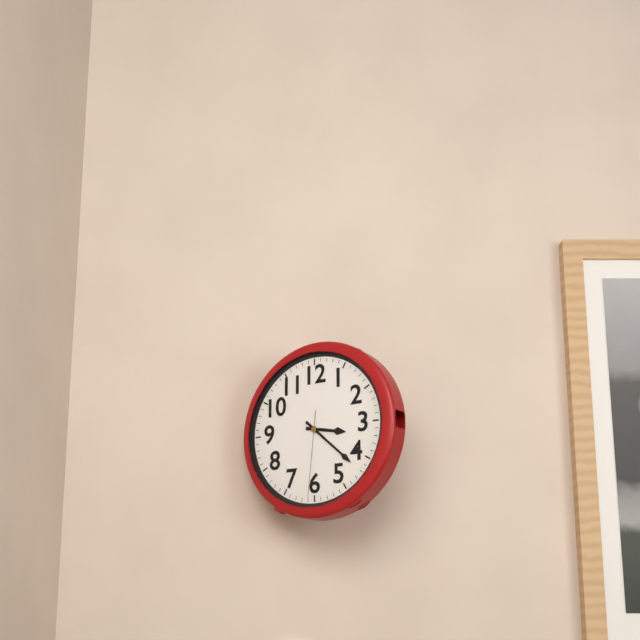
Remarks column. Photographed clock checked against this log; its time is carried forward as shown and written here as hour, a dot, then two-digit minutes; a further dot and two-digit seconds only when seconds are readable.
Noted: 3.22.31
